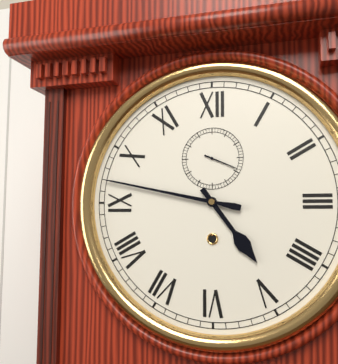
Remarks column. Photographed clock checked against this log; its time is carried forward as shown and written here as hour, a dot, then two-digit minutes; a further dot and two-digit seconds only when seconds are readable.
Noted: 4.47
